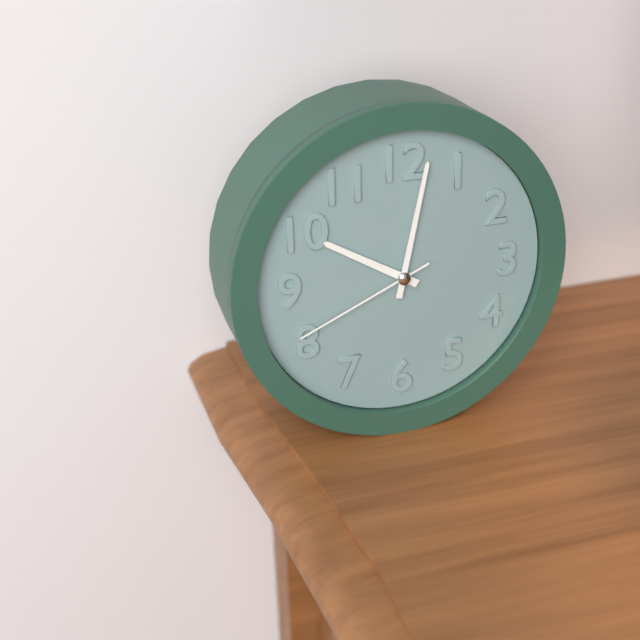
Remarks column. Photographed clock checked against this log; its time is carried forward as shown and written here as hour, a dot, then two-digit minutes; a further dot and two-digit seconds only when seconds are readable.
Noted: 10.02.41
